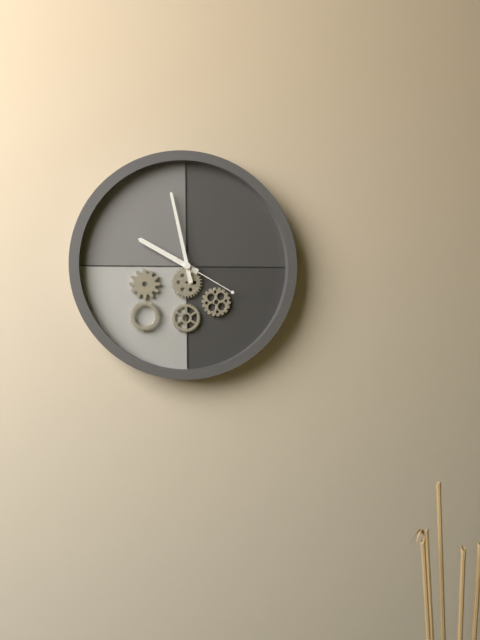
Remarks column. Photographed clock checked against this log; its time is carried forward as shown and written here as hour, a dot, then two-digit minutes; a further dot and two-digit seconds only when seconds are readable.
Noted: 9.58.20
